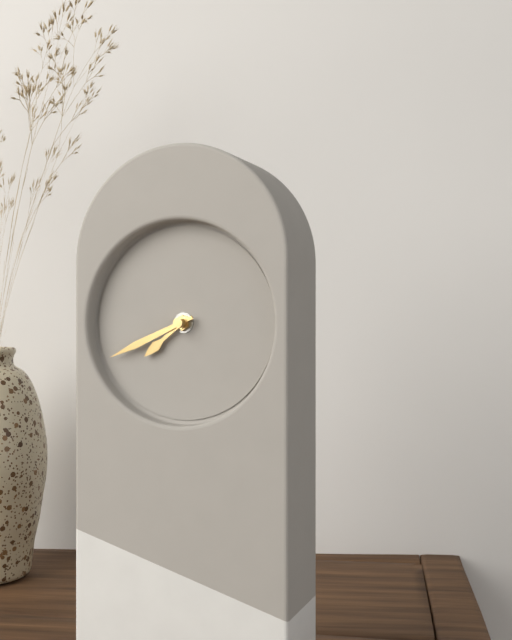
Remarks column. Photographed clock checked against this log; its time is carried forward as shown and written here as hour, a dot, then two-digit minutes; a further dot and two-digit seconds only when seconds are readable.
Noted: 7.41
